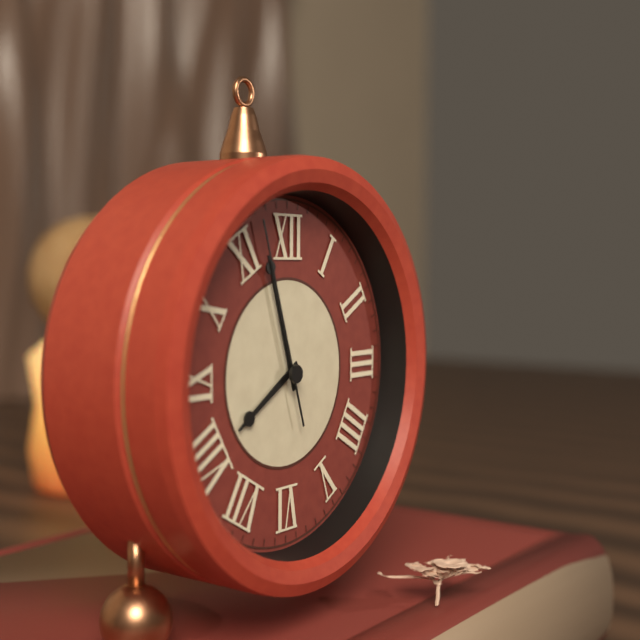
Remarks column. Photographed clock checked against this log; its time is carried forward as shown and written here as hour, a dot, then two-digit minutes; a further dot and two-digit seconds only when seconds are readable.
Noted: 7.57.57
